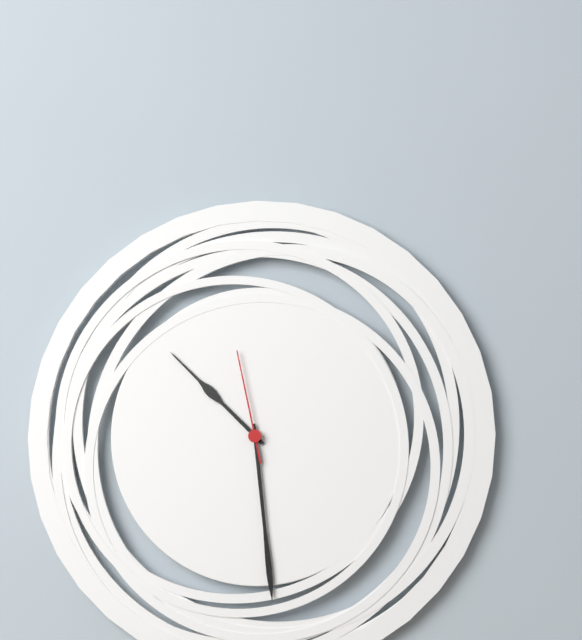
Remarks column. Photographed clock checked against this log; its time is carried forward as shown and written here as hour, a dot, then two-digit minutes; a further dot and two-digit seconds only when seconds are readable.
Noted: 10.29.58
